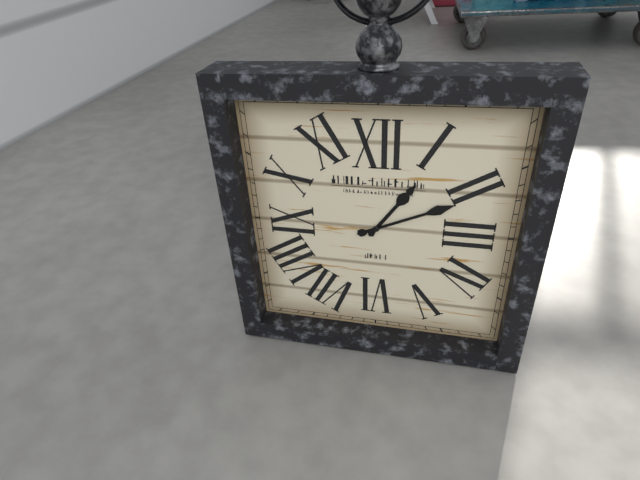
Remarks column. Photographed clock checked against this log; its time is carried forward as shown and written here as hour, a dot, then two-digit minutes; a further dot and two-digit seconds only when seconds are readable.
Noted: 1.11
